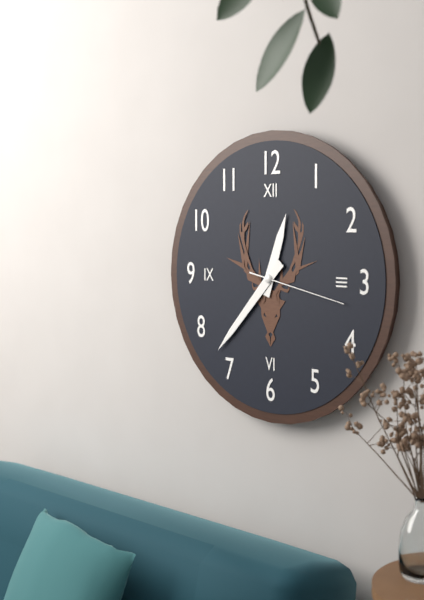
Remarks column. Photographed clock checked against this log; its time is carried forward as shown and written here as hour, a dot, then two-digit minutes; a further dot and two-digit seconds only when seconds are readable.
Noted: 12.37.17
